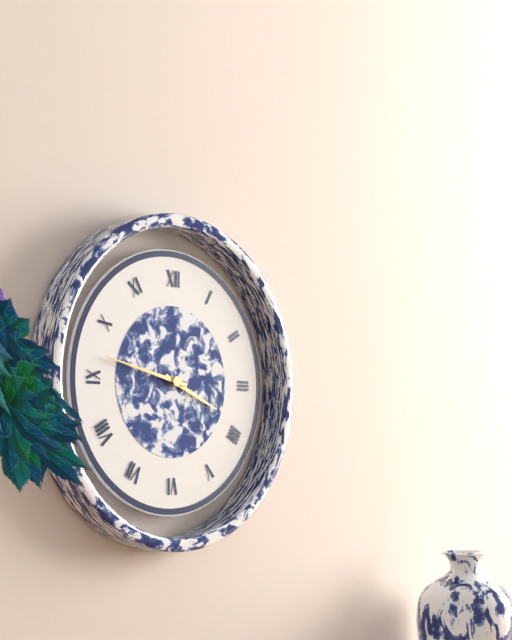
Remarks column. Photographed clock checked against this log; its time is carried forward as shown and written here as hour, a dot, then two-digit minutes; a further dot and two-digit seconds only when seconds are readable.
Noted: 3.47
